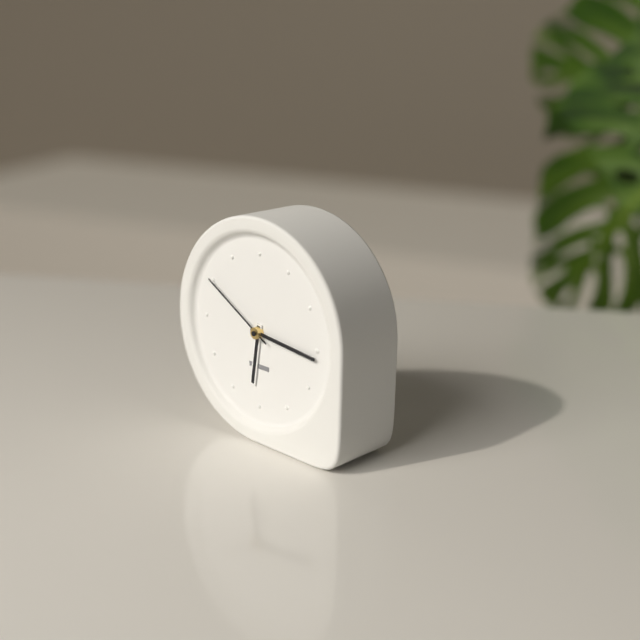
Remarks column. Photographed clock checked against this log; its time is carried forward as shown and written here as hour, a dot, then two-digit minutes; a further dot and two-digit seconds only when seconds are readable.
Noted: 6.16.50
